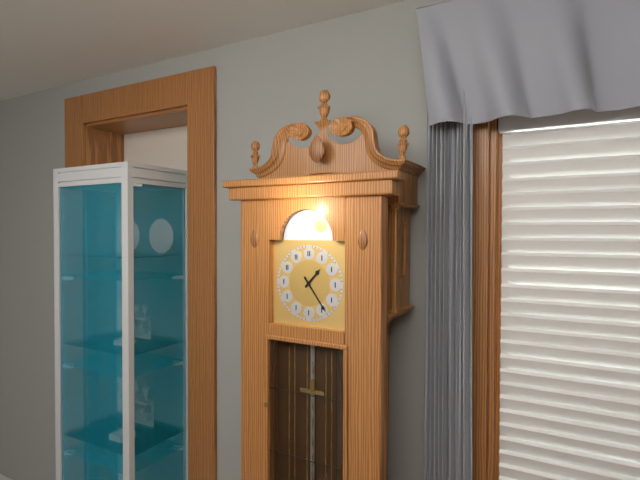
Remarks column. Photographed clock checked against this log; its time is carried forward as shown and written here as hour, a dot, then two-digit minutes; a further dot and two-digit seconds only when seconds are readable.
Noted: 1.24
